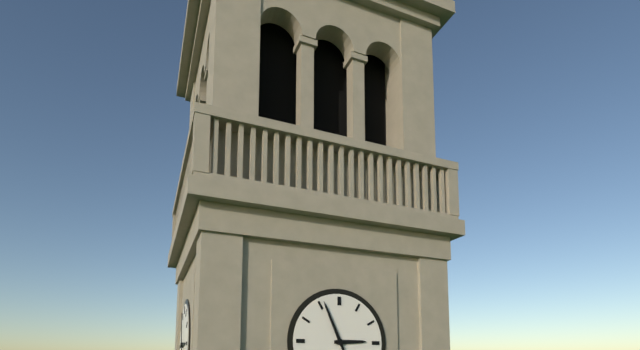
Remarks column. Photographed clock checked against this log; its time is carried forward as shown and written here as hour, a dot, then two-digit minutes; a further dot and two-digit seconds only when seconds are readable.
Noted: 2.56
